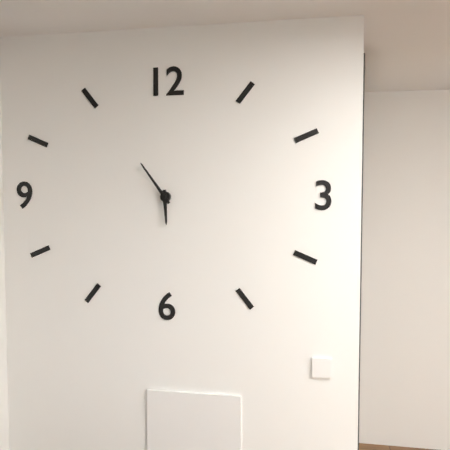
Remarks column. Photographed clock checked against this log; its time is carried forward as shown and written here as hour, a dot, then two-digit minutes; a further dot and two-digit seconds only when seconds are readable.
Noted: 5.54
